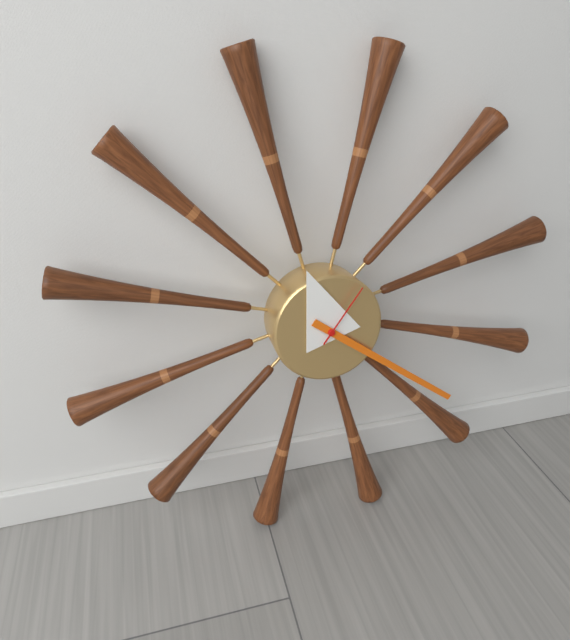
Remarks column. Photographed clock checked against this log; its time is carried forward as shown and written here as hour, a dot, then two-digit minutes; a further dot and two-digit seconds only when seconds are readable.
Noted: 11.21.06
